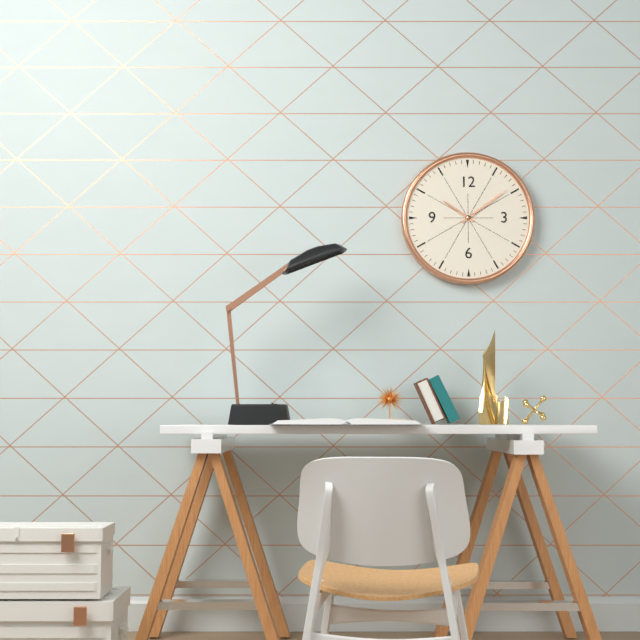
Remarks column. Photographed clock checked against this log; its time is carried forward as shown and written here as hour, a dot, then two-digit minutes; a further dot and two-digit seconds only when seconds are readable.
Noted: 10.09
